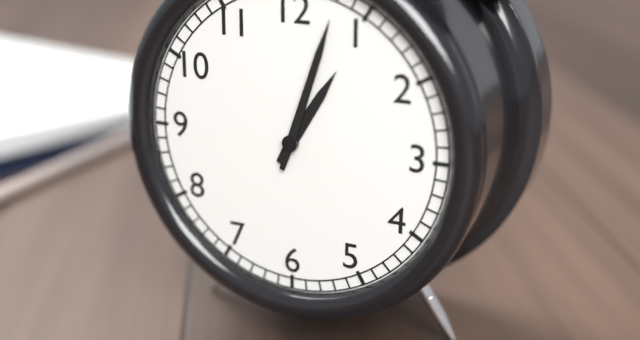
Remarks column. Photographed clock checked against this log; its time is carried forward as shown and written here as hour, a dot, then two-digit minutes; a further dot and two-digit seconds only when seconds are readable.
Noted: 1.03
